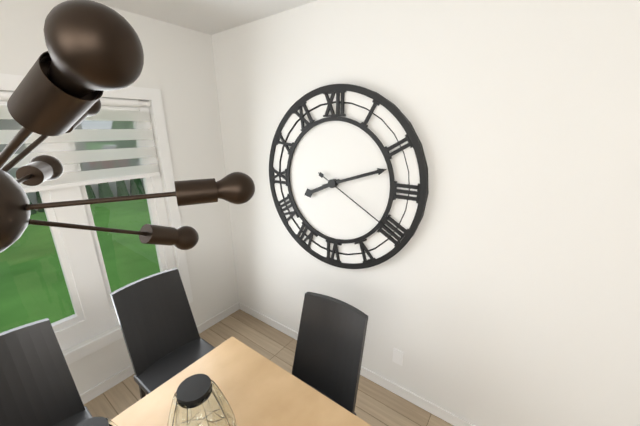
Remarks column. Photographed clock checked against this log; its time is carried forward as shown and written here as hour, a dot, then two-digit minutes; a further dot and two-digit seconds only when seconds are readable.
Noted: 8.12.20
